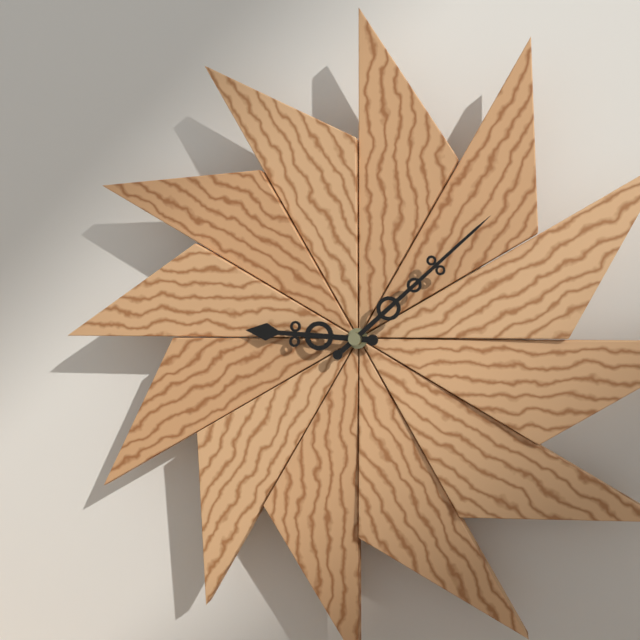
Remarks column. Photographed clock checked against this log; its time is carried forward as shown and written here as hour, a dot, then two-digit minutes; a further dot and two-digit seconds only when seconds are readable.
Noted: 9.08
